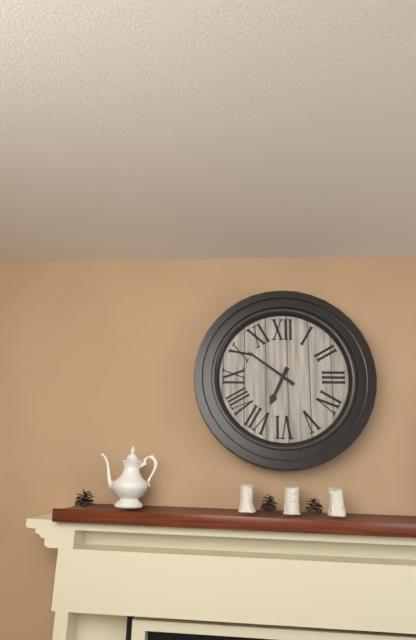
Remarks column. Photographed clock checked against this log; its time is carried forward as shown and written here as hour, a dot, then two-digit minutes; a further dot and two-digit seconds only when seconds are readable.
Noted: 6.51
